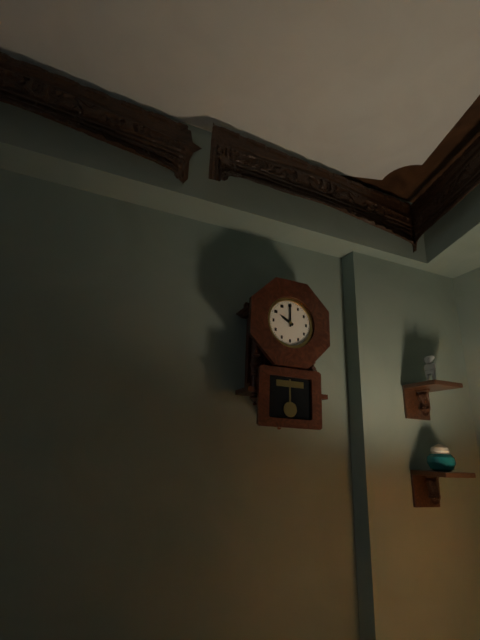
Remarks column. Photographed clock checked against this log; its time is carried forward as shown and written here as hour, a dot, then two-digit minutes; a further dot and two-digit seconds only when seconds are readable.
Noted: 10.00
